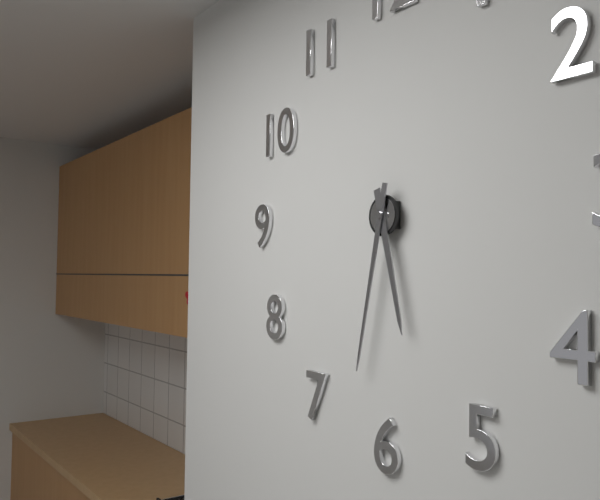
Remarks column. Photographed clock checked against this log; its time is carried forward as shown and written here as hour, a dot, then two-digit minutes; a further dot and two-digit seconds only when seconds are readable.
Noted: 5.32
